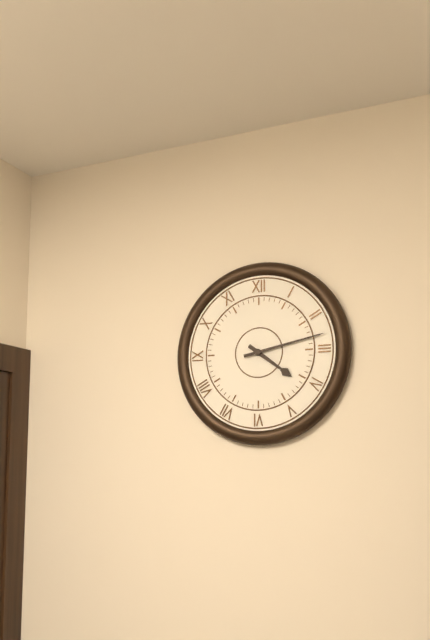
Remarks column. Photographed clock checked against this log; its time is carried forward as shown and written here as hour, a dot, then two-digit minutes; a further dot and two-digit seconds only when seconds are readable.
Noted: 4.13
